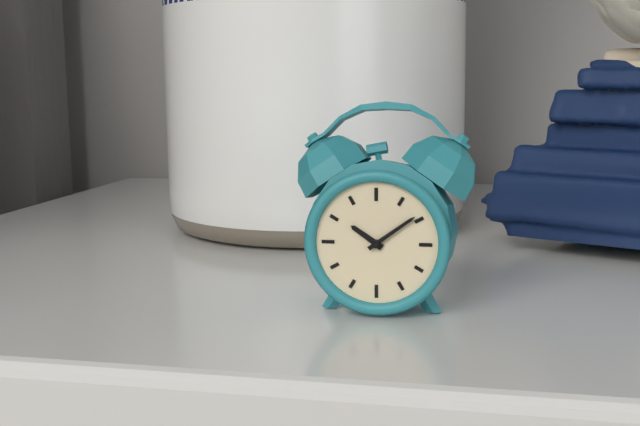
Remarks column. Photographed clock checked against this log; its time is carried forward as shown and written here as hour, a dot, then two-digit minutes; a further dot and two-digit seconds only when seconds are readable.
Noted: 10.09
